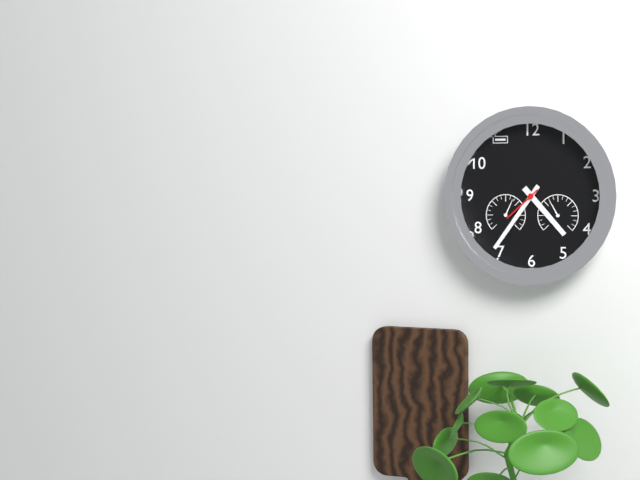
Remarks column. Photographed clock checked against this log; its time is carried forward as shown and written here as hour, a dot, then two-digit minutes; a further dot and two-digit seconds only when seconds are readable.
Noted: 4.36
